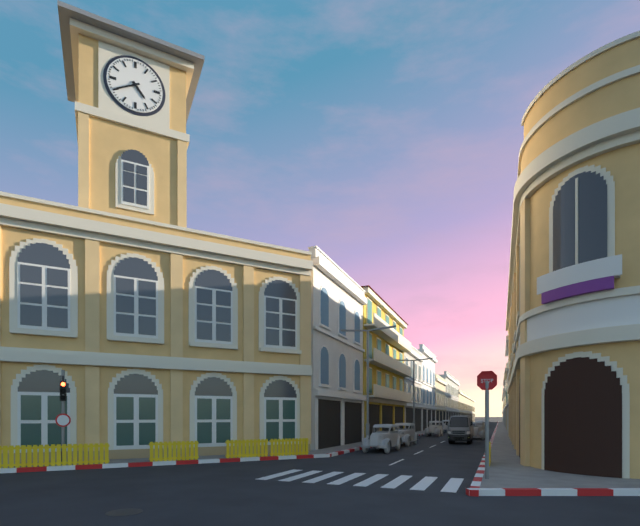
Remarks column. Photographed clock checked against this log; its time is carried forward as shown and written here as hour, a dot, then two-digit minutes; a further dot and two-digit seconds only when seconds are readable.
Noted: 4.40
